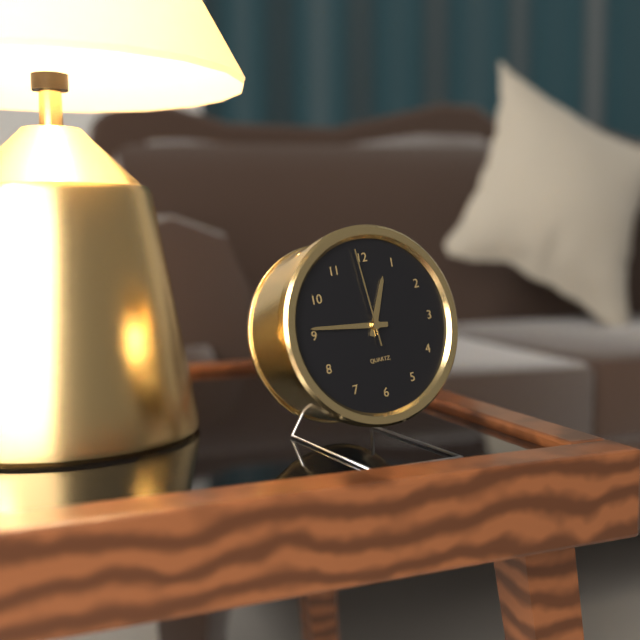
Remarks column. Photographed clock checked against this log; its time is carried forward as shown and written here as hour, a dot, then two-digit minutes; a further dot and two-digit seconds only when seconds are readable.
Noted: 12.46.59
